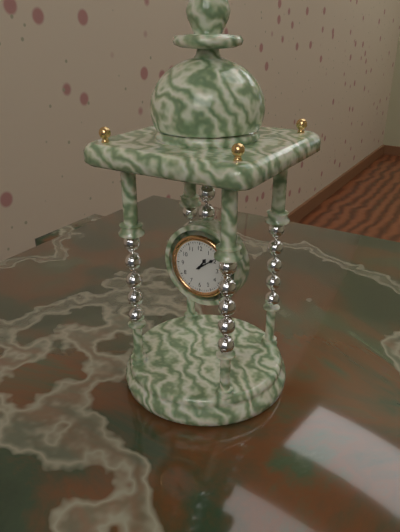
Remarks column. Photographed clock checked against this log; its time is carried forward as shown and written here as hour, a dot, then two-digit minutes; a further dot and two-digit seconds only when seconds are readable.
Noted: 1.09
